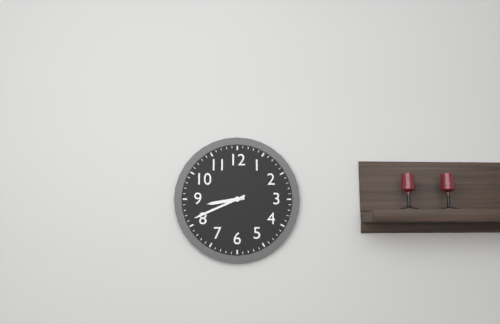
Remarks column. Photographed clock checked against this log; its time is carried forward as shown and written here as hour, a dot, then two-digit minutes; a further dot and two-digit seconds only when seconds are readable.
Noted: 8.41
